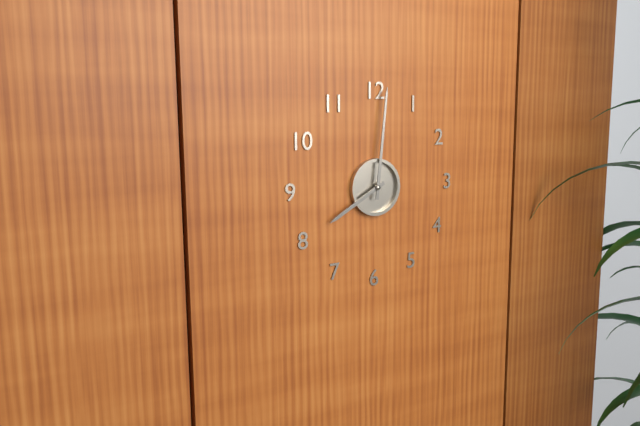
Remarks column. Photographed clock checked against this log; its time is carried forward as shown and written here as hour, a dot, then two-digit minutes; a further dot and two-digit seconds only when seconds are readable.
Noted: 8.01
